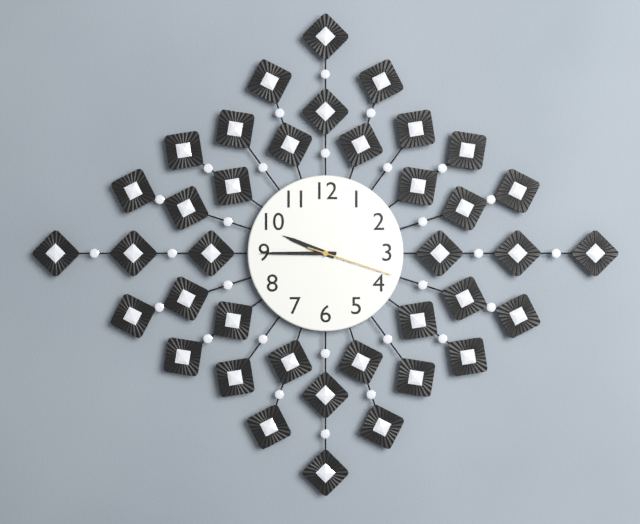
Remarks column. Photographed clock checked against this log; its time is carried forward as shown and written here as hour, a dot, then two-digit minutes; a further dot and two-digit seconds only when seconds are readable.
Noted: 9.45.18
